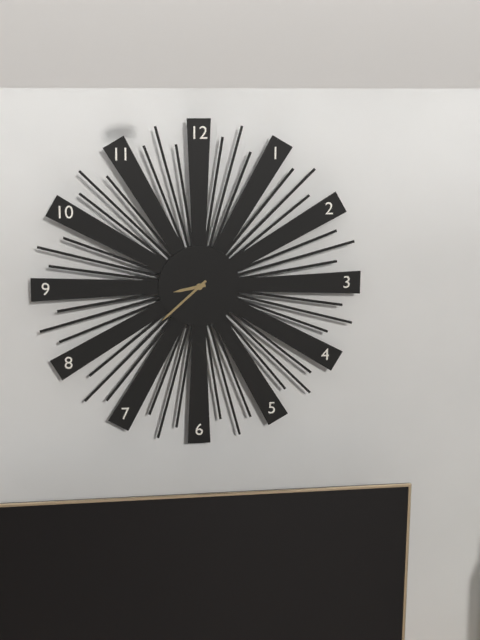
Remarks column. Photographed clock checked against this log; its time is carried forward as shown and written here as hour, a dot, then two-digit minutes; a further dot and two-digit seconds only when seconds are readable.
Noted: 8.38
